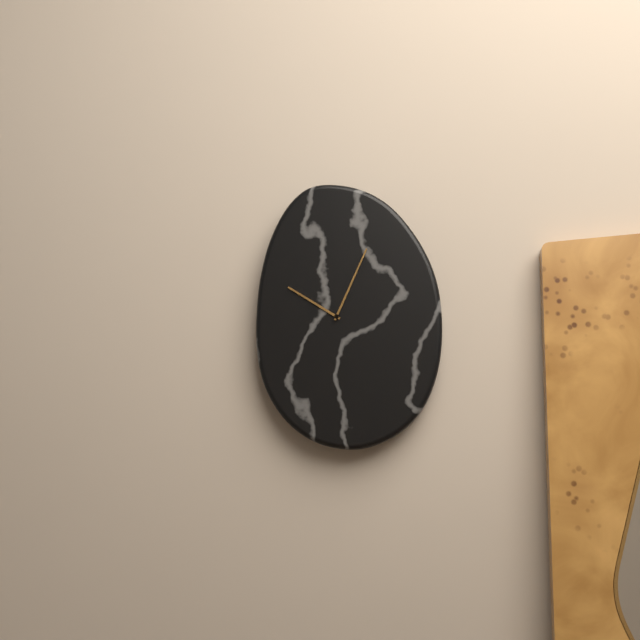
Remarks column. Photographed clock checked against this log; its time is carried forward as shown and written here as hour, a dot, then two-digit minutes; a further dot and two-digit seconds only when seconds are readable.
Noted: 10.04
